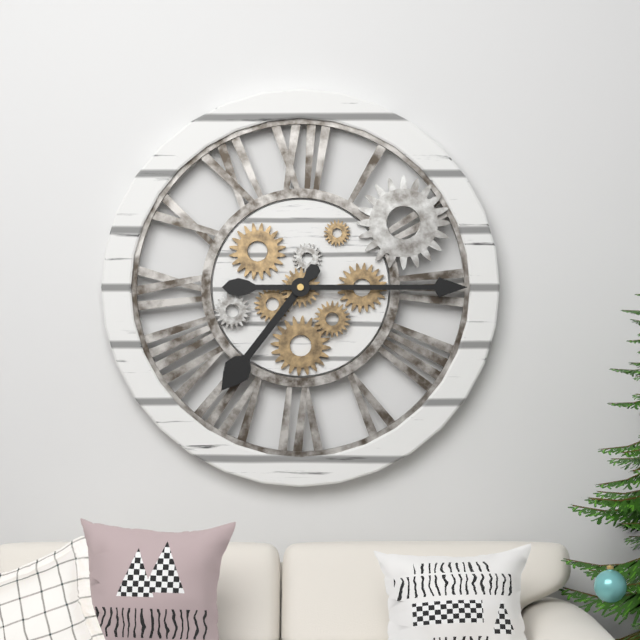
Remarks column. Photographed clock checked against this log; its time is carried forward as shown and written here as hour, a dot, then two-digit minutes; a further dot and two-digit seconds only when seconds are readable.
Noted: 7.15
